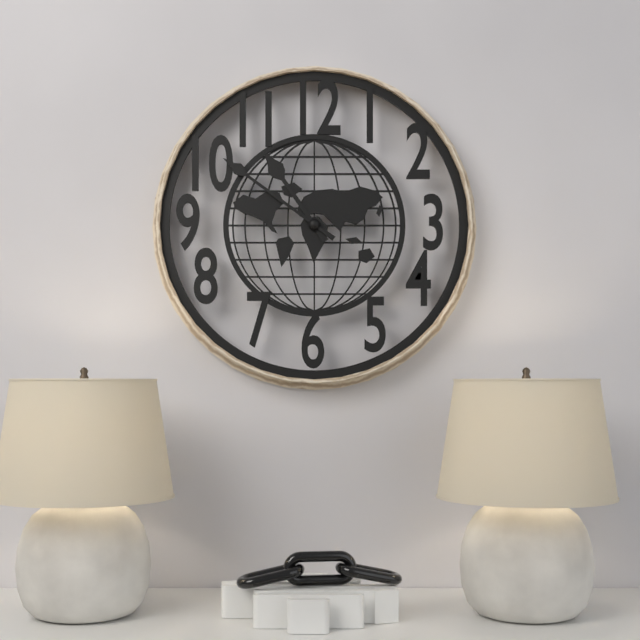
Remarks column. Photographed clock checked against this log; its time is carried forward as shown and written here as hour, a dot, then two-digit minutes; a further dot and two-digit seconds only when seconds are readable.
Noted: 10.51
